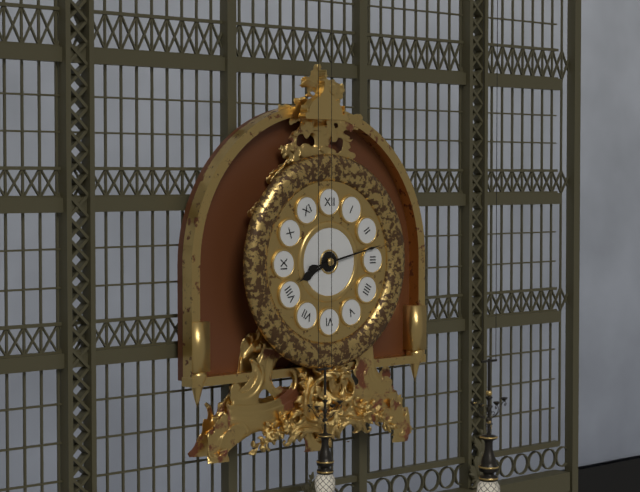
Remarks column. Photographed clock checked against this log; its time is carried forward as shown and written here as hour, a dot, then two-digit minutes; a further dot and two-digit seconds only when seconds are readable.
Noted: 8.13
